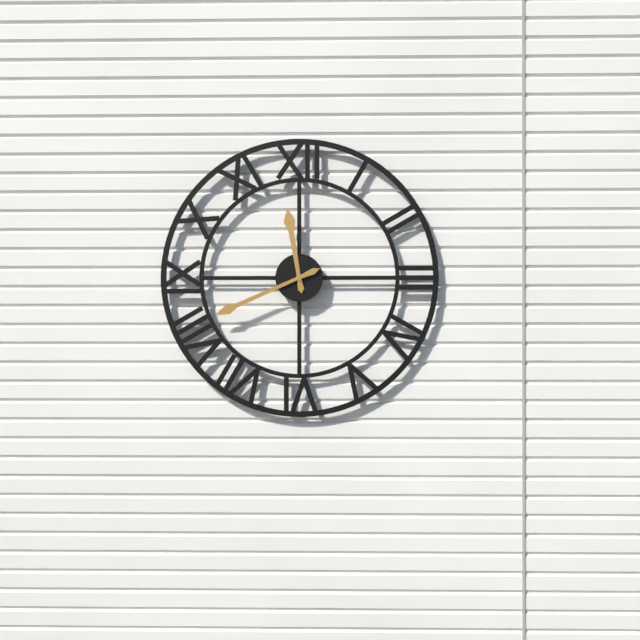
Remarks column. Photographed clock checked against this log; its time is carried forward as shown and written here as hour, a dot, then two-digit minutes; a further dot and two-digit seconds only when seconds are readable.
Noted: 11.41
